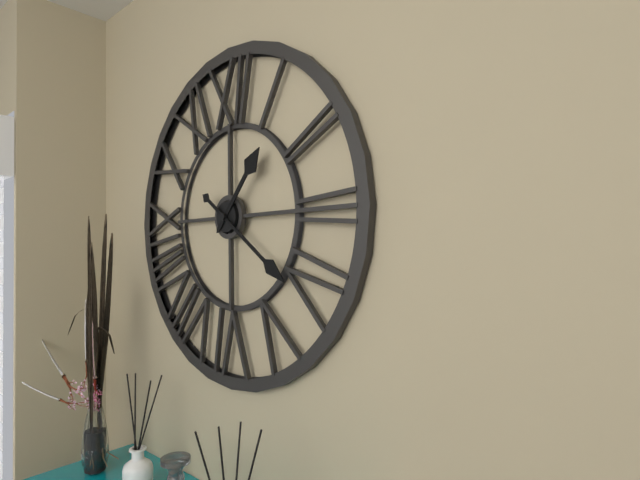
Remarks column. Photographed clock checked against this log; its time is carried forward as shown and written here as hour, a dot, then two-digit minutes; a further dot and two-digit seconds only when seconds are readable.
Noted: 1.21
